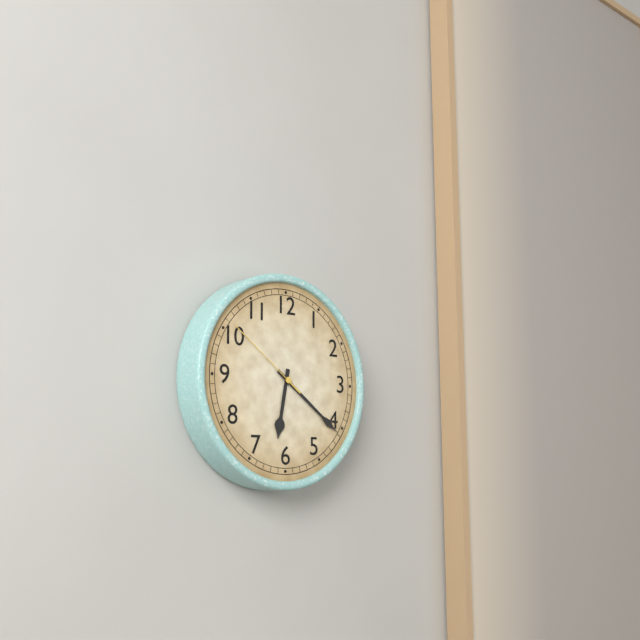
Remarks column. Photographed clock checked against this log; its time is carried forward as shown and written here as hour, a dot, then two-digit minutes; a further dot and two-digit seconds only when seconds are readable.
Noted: 6.21.51
